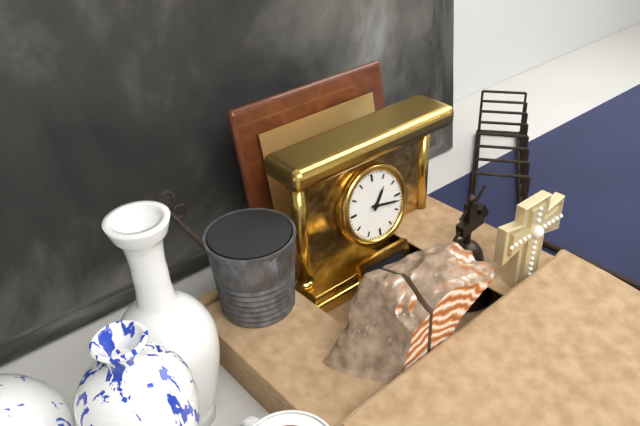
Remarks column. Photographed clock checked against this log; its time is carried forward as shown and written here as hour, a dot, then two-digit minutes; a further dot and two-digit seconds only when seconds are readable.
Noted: 1.17
